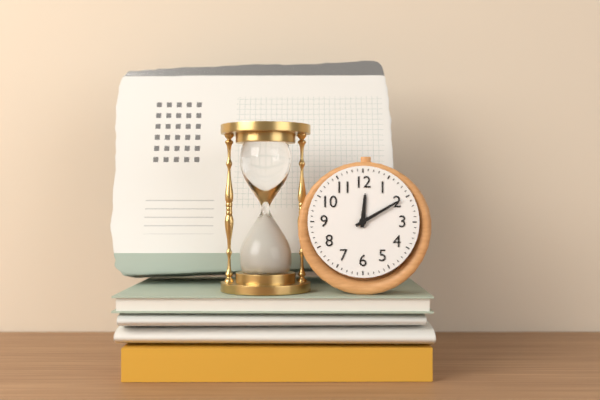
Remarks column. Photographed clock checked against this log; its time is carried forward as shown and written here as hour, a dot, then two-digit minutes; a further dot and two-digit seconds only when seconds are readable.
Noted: 12.10
